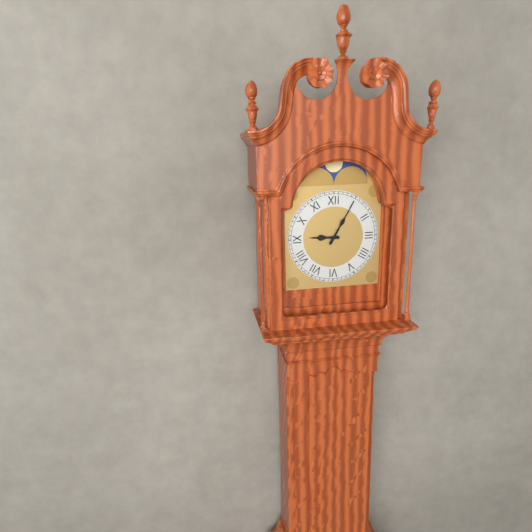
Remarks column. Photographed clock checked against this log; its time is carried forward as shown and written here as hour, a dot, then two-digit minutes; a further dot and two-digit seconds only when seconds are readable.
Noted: 9.05
